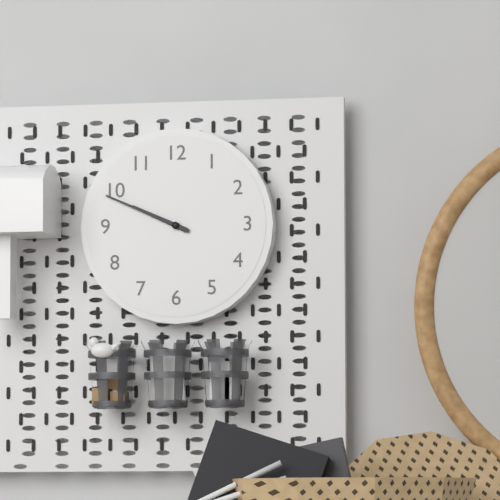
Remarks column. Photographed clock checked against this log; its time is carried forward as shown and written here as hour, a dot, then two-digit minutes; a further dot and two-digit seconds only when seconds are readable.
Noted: 9.49
